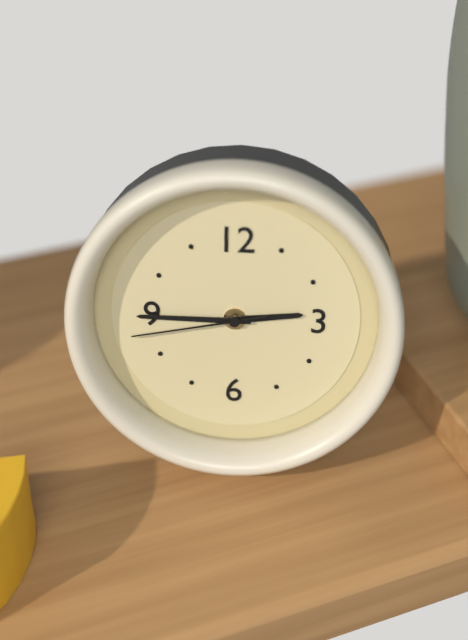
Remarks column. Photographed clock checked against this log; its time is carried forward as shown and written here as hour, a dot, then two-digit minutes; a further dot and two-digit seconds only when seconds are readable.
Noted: 2.45.43
